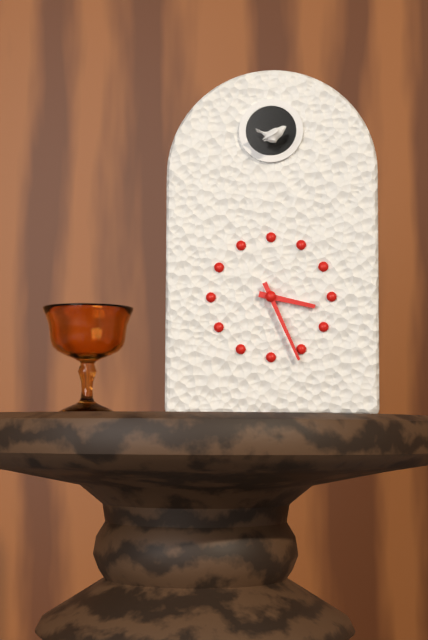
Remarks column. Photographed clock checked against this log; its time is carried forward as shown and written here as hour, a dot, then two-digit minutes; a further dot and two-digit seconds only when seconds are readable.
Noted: 3.26
